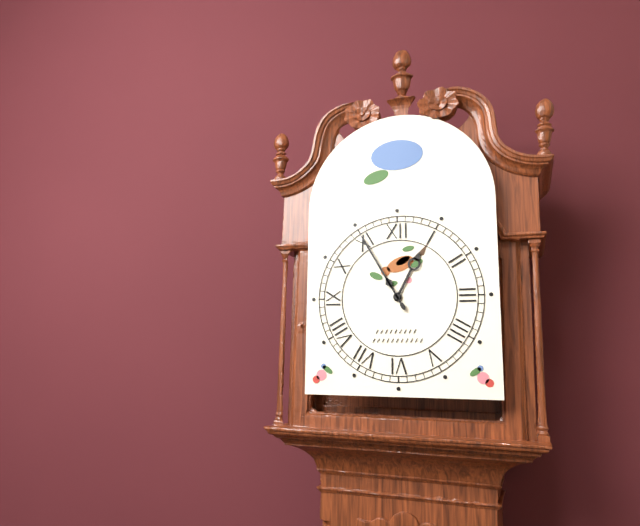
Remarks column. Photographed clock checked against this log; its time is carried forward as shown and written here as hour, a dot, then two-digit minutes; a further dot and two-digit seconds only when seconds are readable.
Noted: 12.55
